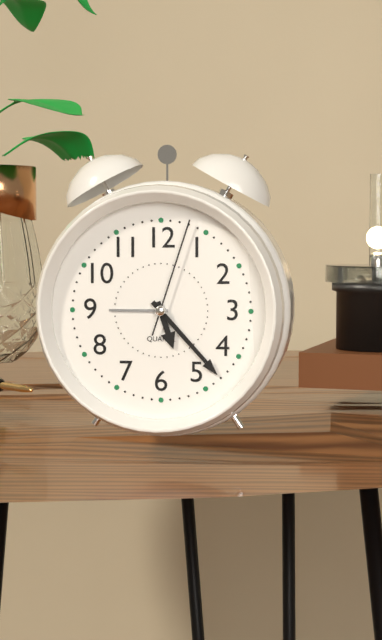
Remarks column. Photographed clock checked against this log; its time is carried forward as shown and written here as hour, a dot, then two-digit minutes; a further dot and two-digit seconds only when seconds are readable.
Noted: 5.23.03
